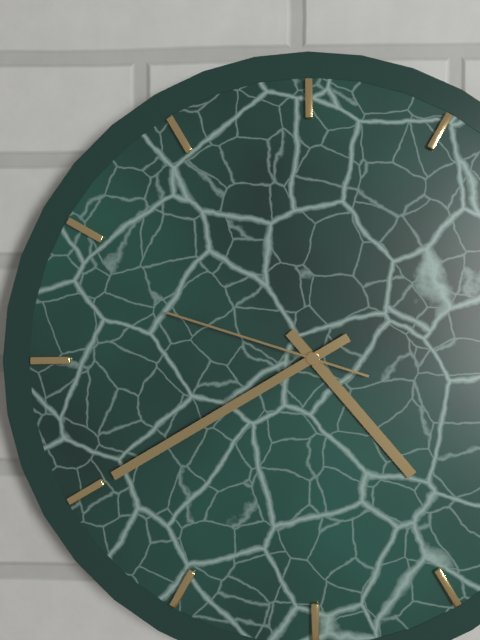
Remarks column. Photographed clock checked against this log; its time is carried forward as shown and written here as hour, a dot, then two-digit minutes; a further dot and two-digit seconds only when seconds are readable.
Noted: 4.40.48
